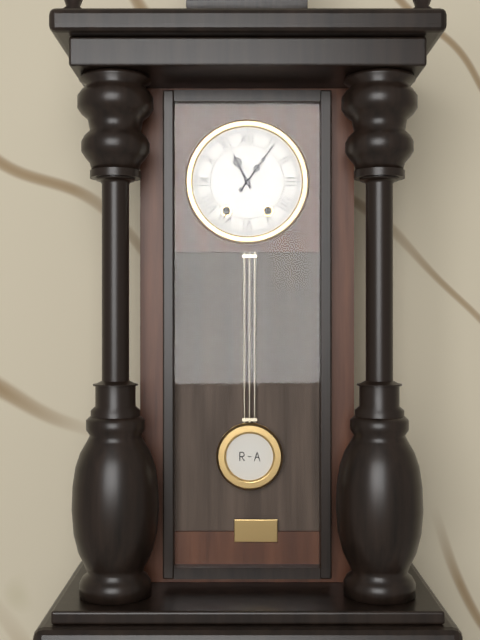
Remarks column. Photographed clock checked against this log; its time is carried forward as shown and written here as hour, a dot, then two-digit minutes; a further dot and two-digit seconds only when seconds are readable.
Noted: 11.06
